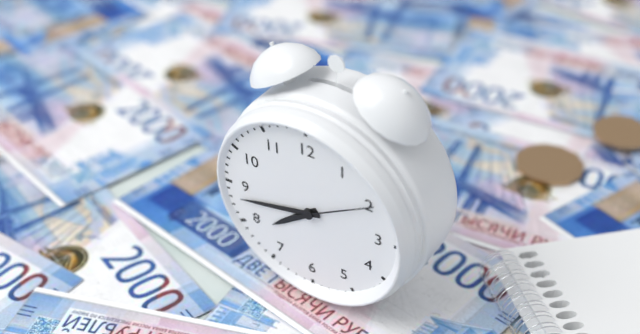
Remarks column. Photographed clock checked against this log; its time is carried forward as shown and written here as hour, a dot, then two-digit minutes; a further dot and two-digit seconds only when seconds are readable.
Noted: 7.43.10
